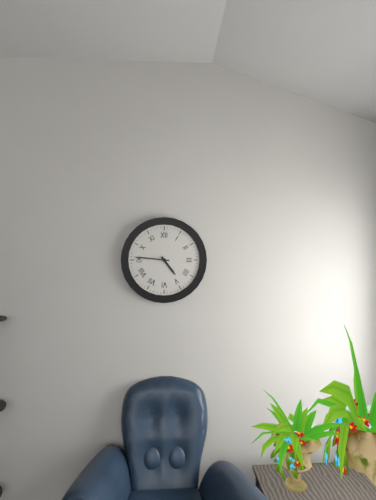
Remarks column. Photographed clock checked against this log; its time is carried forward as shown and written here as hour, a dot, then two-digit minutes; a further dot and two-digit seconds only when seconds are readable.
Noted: 4.46
